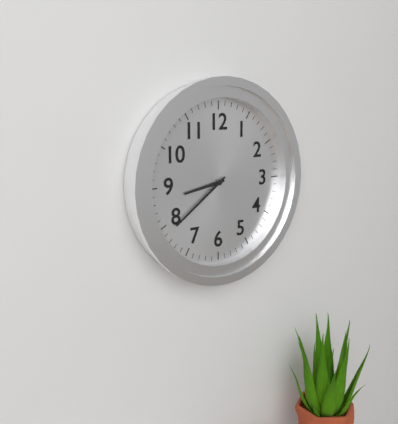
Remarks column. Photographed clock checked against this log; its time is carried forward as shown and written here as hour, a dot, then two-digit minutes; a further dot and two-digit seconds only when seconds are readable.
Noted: 8.39
